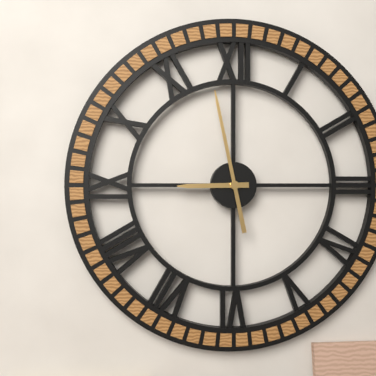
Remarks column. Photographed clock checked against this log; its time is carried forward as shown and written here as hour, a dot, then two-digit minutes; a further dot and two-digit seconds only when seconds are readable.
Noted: 8.58
